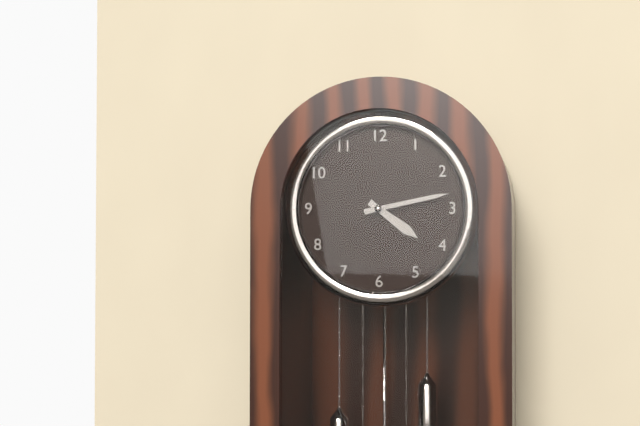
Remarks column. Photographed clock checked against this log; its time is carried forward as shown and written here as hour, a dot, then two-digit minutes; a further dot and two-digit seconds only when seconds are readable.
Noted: 4.13
